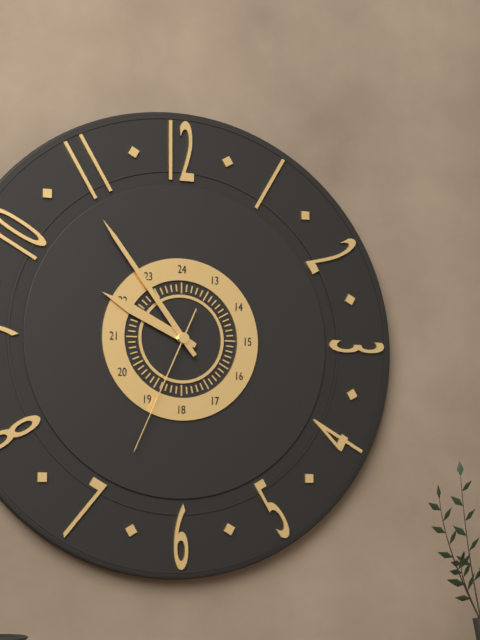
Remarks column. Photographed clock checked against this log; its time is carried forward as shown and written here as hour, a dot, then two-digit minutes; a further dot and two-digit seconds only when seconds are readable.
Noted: 9.54.34
